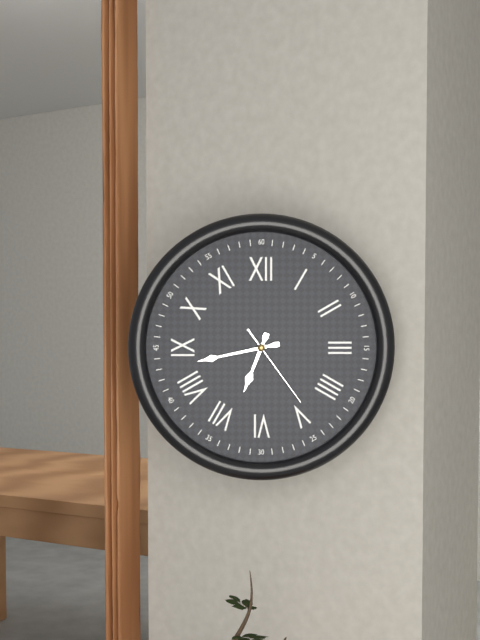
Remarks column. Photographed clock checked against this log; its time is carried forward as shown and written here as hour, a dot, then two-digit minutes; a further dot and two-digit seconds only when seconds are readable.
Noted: 6.43.24
